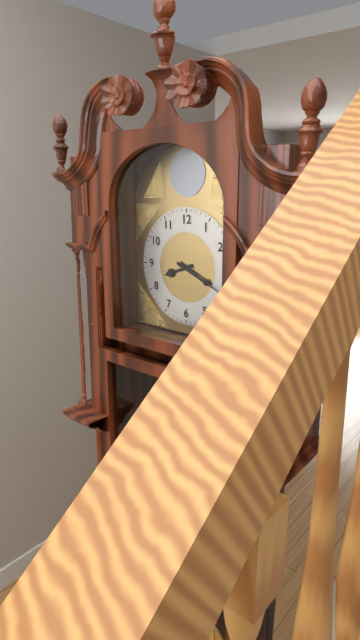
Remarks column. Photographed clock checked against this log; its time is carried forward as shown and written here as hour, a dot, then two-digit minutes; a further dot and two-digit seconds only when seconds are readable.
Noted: 8.19
